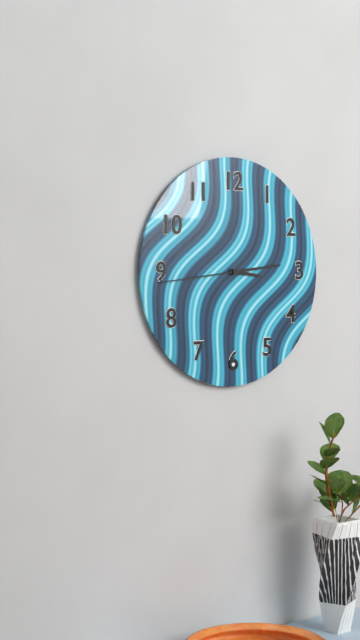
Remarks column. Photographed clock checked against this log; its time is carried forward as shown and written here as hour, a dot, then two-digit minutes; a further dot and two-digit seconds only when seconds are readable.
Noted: 3.14.44
